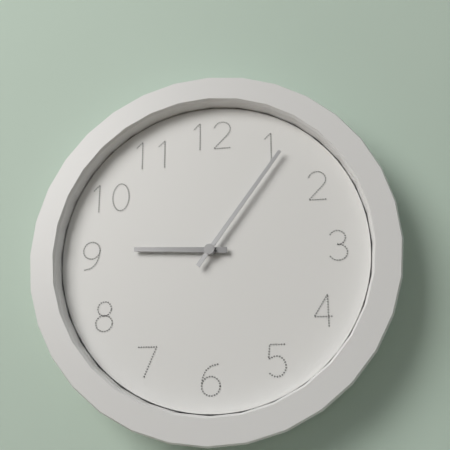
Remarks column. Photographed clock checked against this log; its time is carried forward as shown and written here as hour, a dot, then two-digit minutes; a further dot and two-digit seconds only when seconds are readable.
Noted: 9.06
